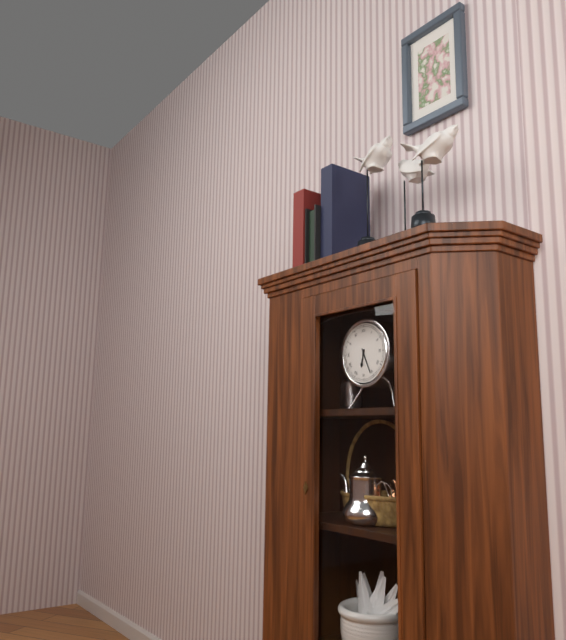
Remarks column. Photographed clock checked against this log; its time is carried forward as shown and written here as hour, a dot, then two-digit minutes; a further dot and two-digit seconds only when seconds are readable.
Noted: 6.26
